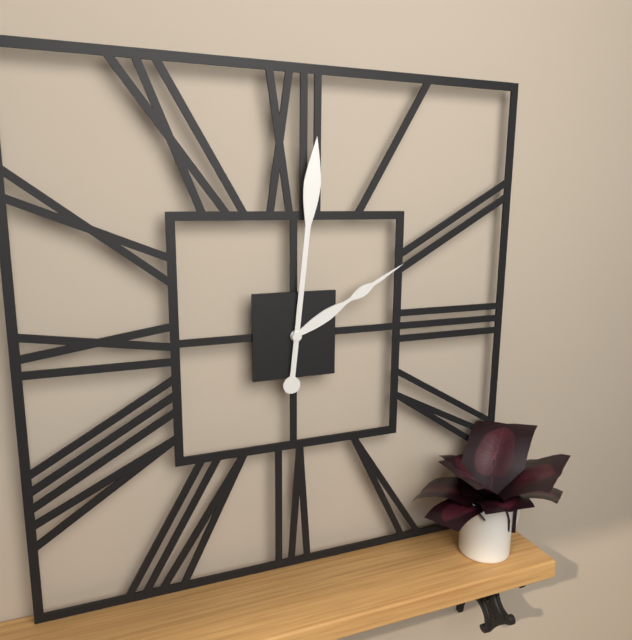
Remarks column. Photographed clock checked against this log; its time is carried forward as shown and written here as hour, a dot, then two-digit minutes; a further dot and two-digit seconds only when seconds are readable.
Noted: 2.01
